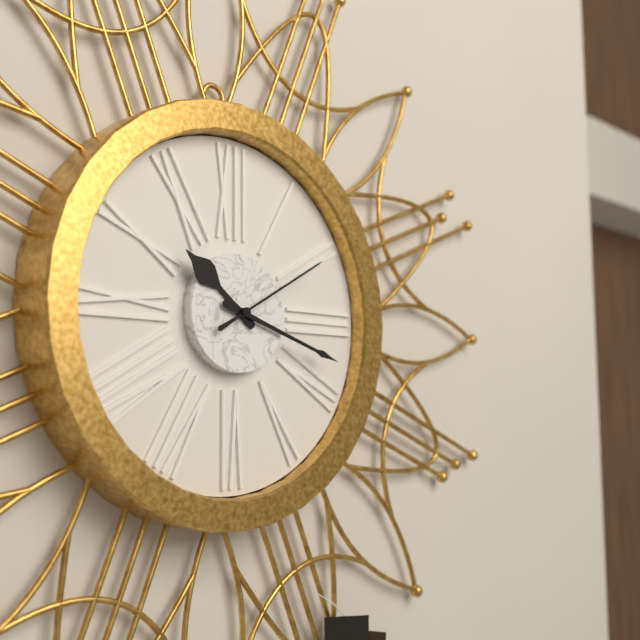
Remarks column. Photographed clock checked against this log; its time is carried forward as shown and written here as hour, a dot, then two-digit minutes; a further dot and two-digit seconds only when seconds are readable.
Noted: 10.18.10
